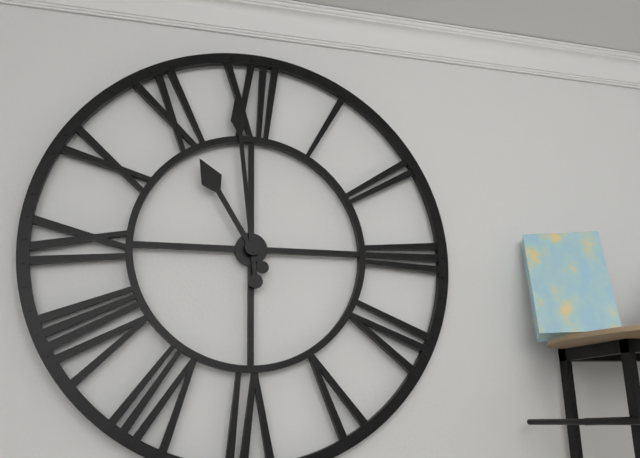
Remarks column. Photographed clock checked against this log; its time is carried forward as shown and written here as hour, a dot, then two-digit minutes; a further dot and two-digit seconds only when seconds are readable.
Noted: 10.59
